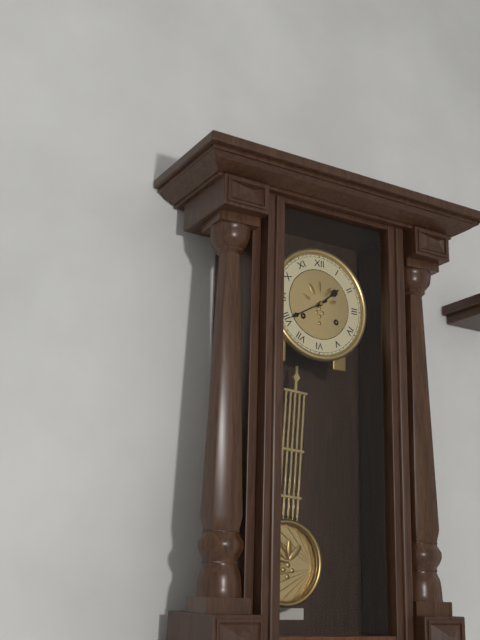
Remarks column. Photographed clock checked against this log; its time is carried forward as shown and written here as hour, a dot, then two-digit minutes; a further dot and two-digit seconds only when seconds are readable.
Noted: 1.40
